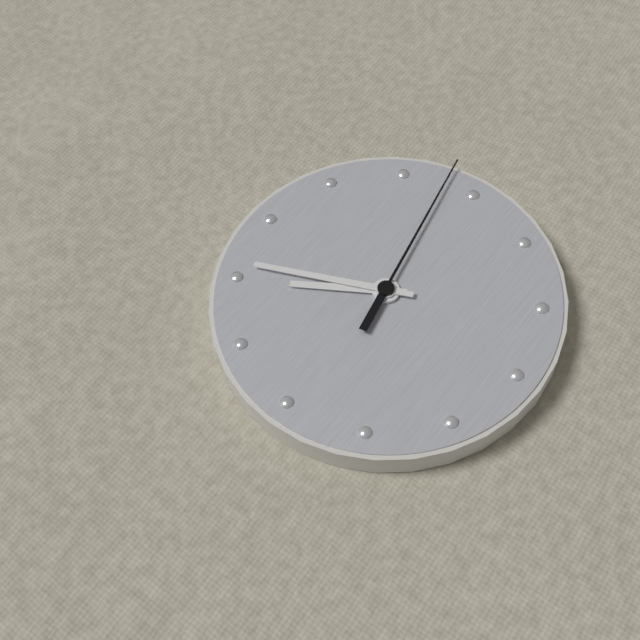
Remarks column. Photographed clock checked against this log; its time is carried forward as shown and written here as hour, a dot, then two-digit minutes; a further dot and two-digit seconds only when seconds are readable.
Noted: 10.56.13
